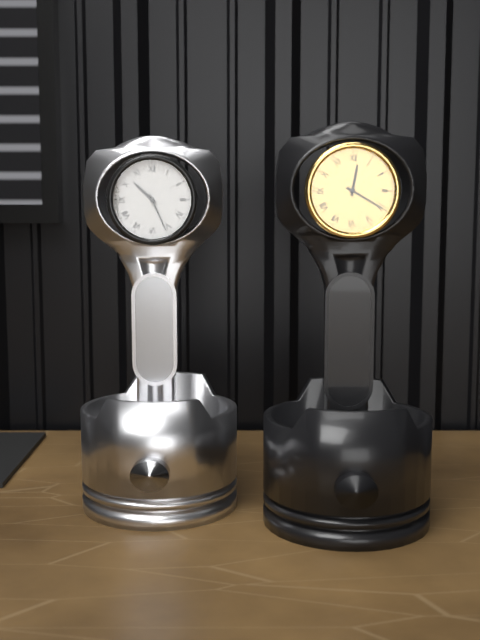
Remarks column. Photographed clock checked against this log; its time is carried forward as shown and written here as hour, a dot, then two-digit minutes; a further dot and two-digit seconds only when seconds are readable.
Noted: 10.26
